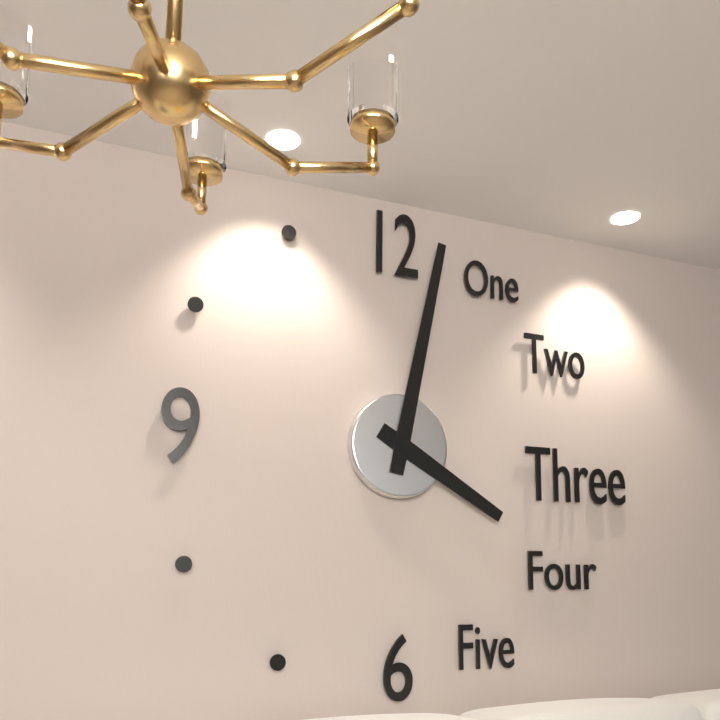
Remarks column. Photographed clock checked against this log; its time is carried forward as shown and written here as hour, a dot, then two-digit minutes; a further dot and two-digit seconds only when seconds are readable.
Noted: 4.02
